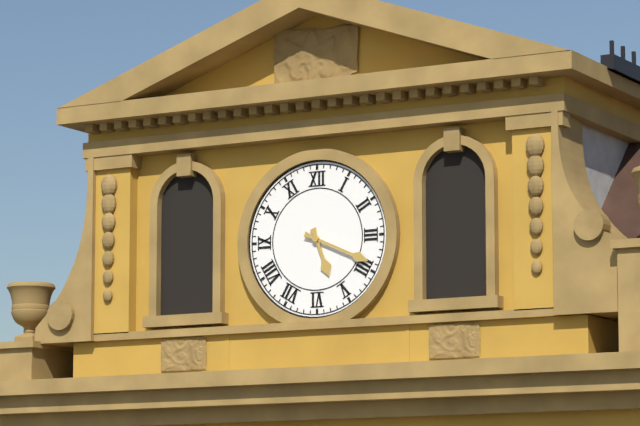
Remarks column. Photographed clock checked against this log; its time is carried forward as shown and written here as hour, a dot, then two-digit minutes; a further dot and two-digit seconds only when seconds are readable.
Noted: 5.19
